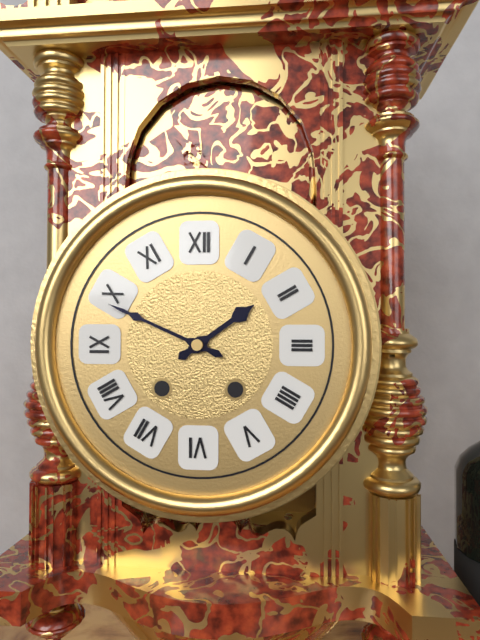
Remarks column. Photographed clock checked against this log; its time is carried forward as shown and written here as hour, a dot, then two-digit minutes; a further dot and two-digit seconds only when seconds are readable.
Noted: 1.49
